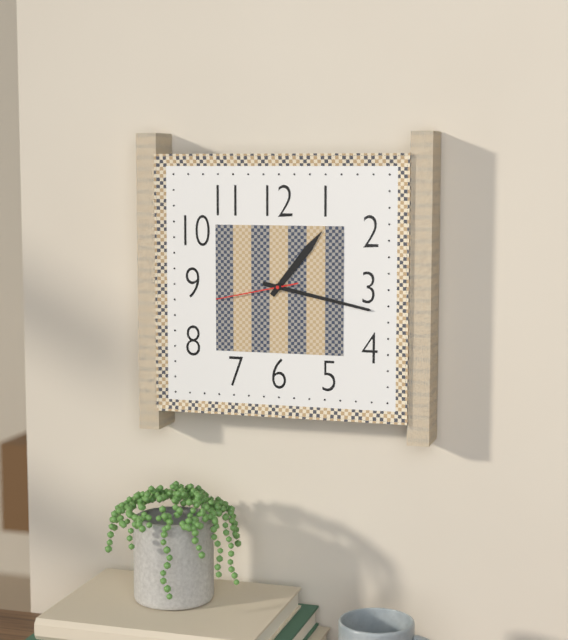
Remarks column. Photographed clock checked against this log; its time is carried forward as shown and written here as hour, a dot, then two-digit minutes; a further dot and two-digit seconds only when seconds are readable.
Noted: 1.17.43
